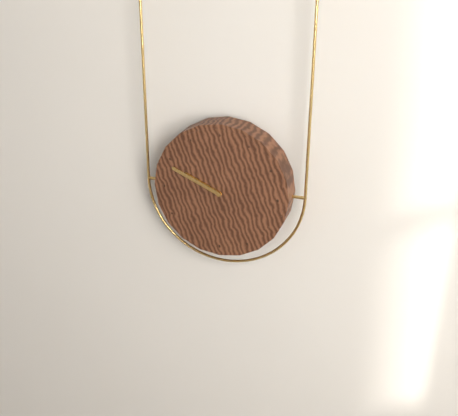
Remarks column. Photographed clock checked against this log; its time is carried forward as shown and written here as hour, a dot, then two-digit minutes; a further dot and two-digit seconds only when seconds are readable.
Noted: 9.49
